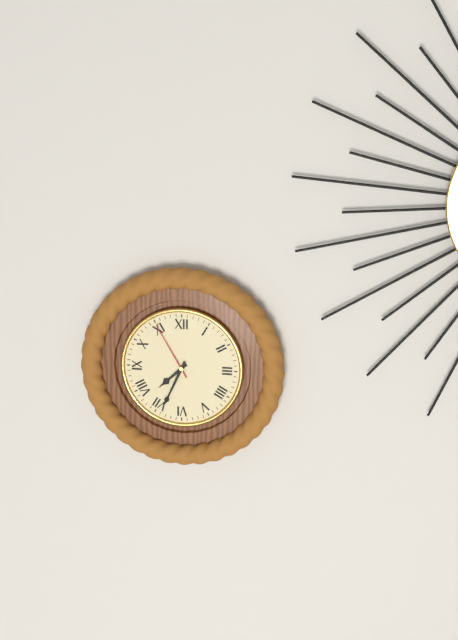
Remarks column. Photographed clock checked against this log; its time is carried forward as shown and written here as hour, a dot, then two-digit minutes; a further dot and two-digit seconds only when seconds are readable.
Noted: 7.34.55
